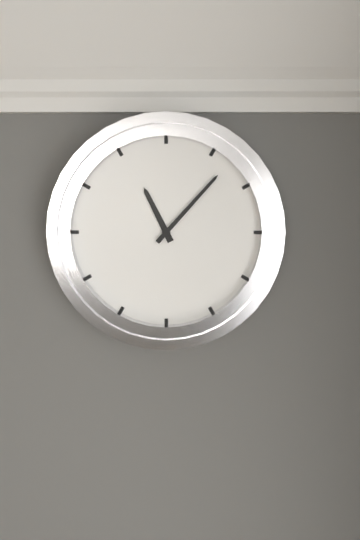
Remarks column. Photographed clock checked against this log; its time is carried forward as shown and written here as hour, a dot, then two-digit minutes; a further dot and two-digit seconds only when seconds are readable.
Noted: 11.07
